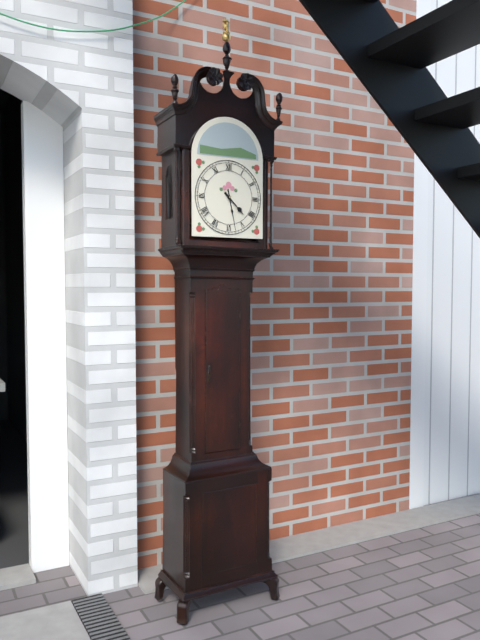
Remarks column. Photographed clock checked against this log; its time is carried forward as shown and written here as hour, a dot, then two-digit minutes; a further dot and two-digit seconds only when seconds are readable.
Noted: 4.28
